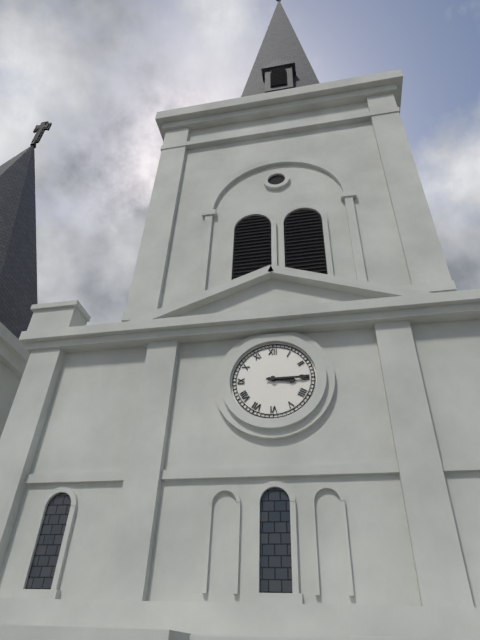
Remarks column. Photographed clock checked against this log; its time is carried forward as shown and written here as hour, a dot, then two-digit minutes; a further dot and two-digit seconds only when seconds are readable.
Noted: 3.15
